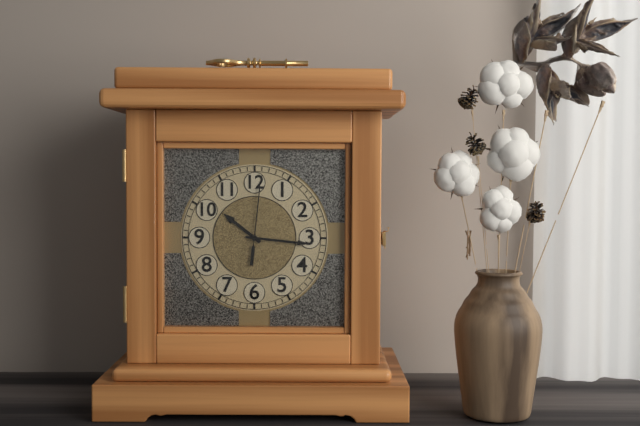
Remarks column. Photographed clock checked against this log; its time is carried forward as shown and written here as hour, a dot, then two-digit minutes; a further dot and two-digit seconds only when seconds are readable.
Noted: 10.16.01
